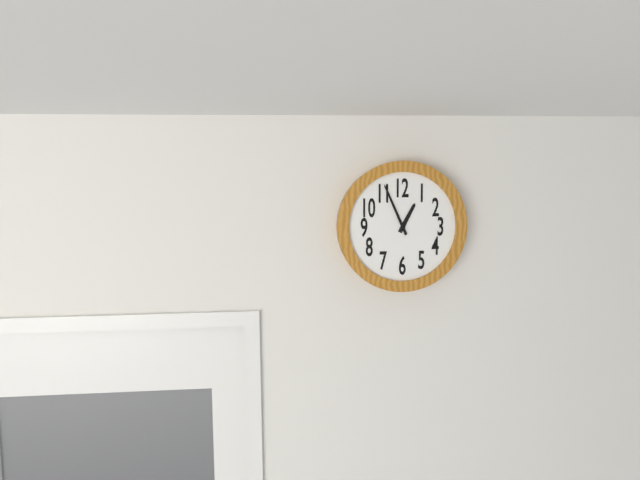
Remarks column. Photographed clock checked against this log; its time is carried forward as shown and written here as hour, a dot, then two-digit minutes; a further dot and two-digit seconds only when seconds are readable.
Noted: 12.56
